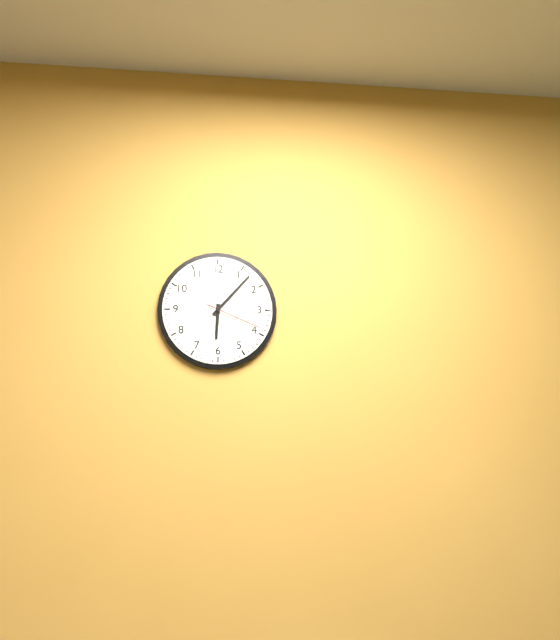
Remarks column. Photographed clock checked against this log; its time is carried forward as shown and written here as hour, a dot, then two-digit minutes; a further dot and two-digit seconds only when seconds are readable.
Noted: 6.07.19
